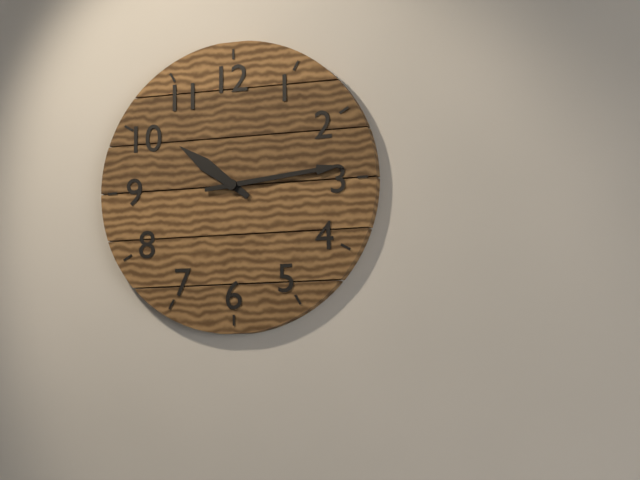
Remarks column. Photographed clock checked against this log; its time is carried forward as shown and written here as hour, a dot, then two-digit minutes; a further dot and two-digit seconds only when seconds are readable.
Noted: 10.14
